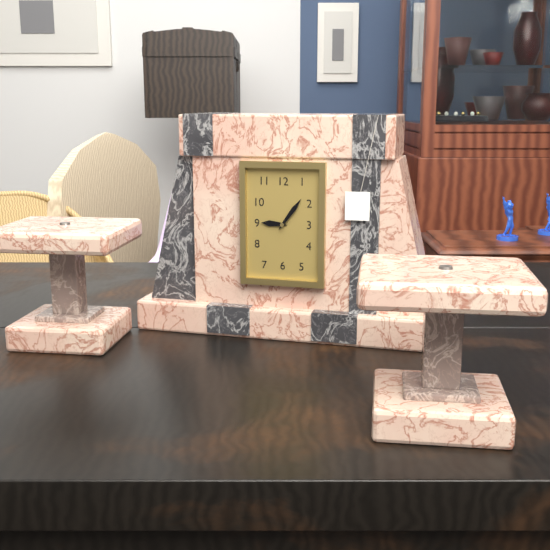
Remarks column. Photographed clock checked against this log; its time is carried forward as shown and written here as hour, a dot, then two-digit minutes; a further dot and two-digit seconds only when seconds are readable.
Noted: 9.06
